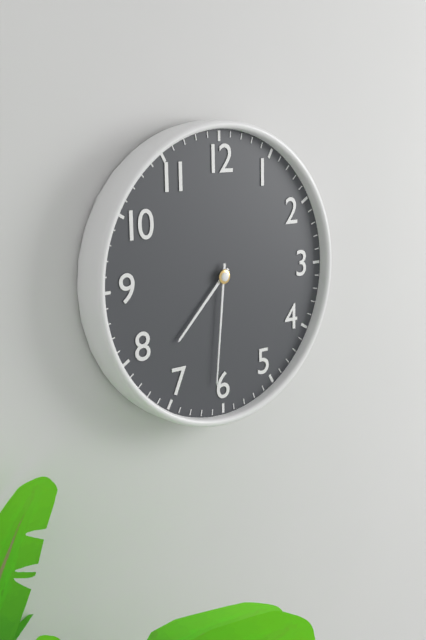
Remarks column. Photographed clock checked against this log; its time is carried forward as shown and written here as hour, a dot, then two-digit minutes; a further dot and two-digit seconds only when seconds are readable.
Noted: 7.31
